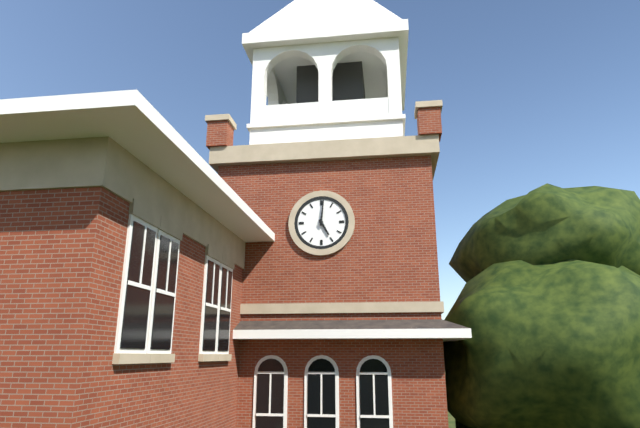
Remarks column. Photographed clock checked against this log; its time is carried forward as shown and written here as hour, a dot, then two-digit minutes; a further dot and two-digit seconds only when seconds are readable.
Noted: 5.01
